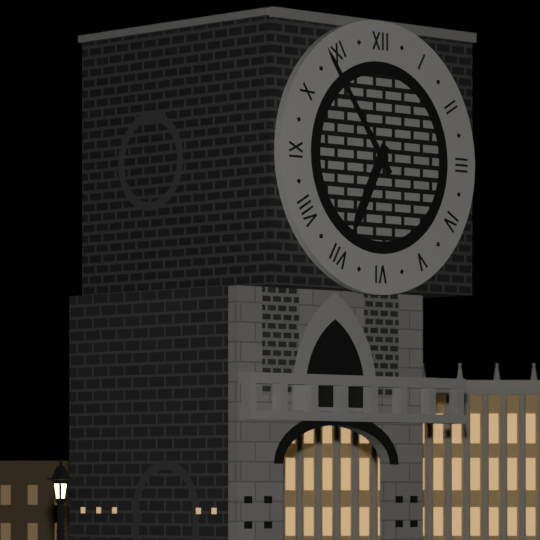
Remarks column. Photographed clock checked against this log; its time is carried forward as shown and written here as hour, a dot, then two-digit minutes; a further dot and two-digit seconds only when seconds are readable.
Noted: 6.54
